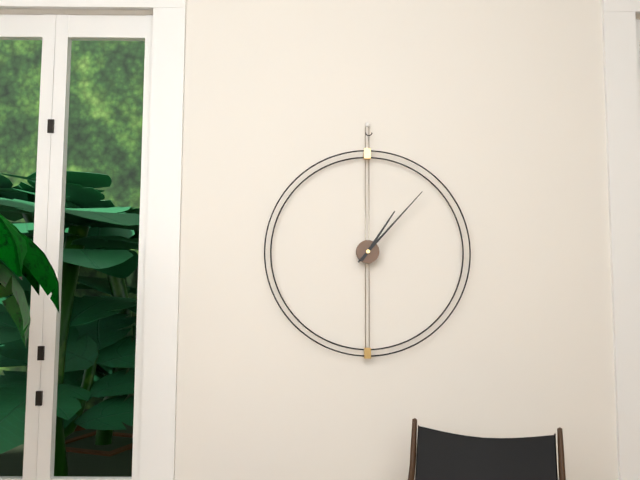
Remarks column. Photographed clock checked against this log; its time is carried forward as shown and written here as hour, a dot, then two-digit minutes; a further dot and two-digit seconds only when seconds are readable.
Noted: 1.07
